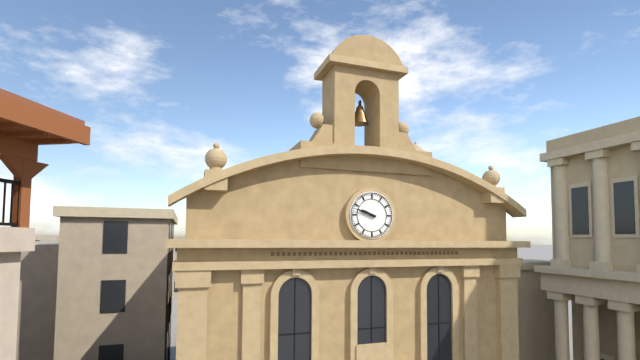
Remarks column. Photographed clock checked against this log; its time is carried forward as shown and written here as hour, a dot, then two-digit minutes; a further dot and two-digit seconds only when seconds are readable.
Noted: 9.48
